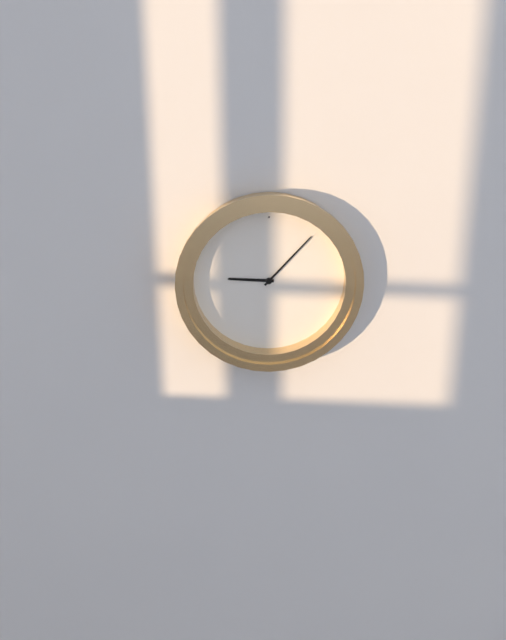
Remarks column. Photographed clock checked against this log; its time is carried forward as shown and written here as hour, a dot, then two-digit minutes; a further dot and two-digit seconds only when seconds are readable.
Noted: 9.07
